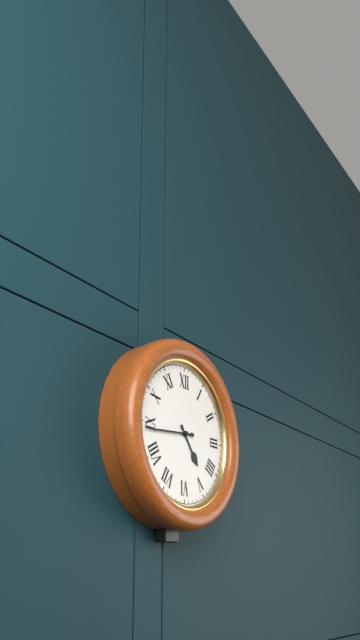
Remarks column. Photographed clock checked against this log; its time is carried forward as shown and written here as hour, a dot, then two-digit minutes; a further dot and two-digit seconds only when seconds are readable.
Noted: 4.44
